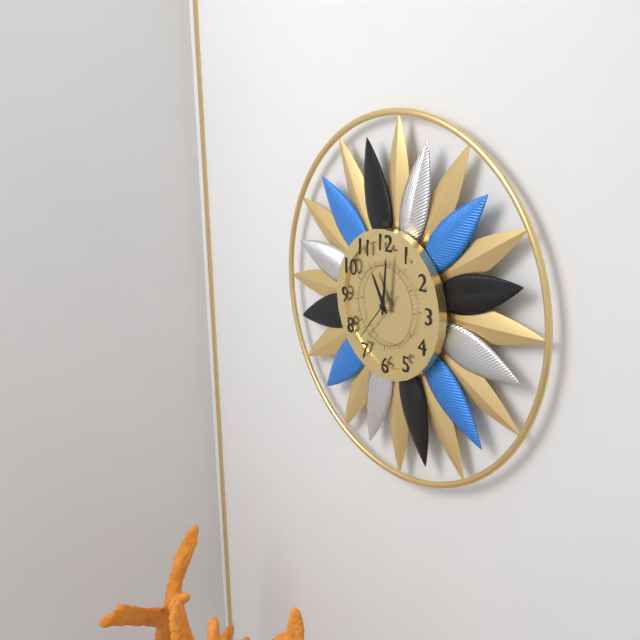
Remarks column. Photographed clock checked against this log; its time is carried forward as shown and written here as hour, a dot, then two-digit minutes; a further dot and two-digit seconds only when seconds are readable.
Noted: 11.01.37
